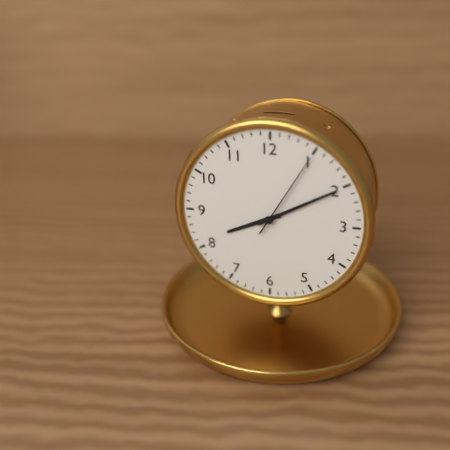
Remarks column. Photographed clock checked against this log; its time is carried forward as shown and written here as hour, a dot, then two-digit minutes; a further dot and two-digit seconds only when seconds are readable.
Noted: 8.10.05
